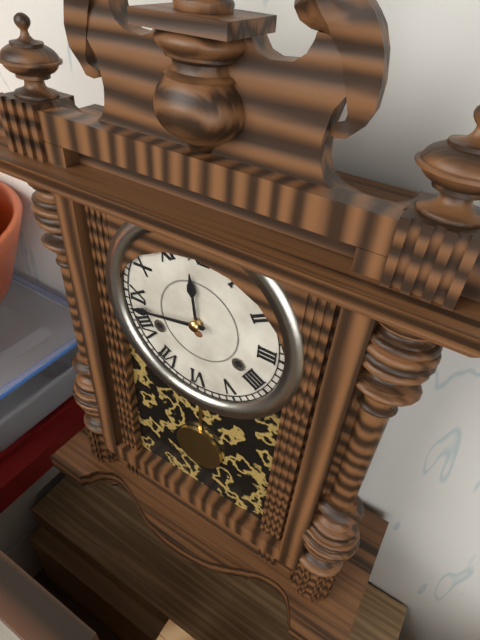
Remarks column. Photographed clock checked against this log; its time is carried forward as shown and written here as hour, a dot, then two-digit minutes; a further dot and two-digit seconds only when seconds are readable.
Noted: 11.43
